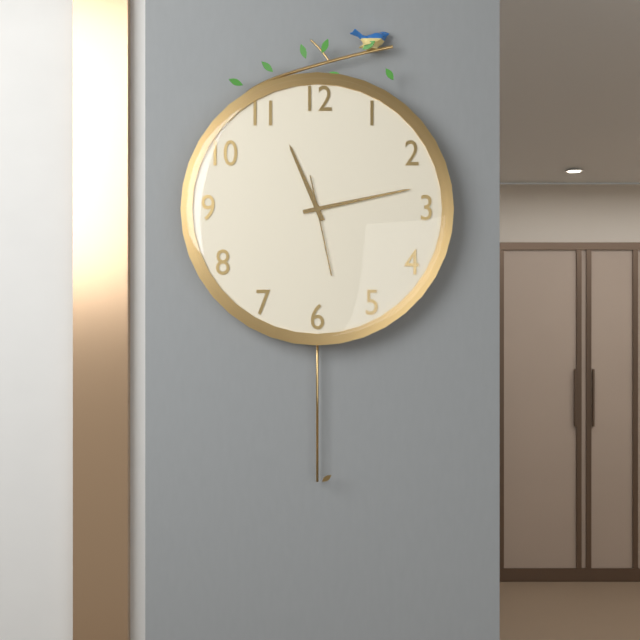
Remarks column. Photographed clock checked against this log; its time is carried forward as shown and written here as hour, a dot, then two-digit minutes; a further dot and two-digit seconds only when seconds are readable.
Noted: 11.13.28
